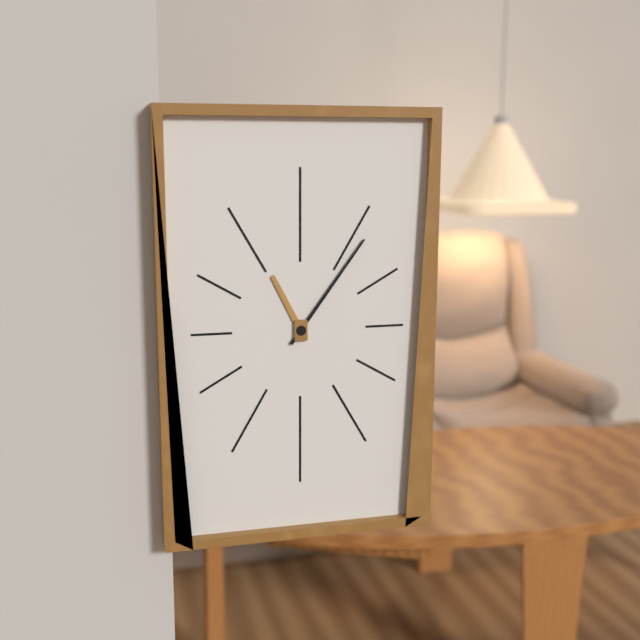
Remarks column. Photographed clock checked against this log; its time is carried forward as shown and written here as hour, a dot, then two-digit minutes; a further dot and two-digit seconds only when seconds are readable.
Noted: 11.06
